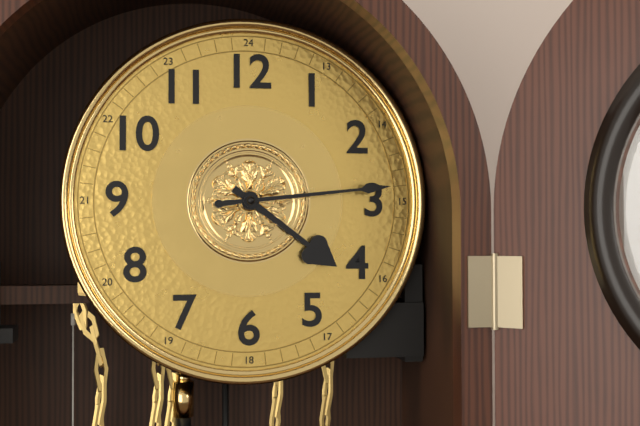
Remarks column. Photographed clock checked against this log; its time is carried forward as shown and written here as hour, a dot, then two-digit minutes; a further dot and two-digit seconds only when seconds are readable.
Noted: 4.14
